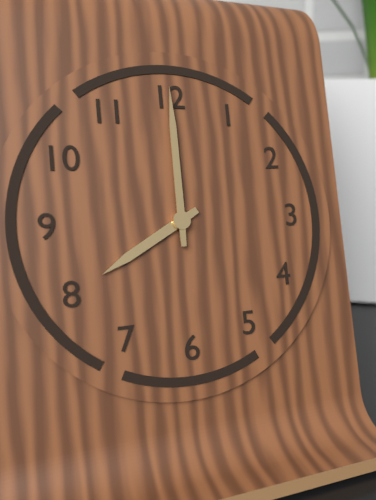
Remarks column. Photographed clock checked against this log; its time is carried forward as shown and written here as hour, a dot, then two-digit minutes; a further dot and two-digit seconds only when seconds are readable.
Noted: 8.00
